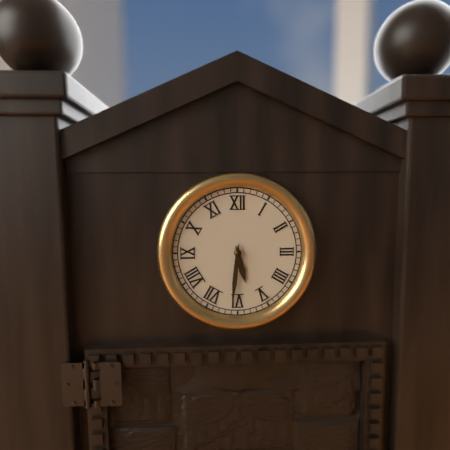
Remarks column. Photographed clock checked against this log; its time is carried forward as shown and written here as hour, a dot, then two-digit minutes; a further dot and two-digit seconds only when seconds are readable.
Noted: 5.31
